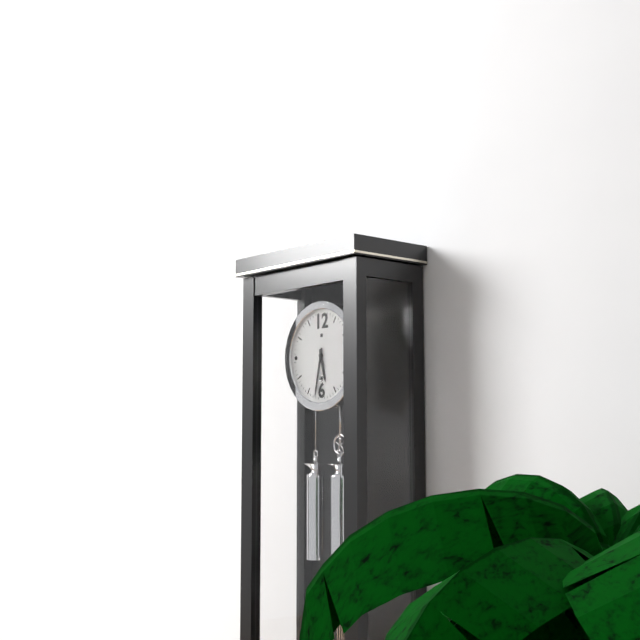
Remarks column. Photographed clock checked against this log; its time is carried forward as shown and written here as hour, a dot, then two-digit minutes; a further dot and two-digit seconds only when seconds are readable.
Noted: 5.32
